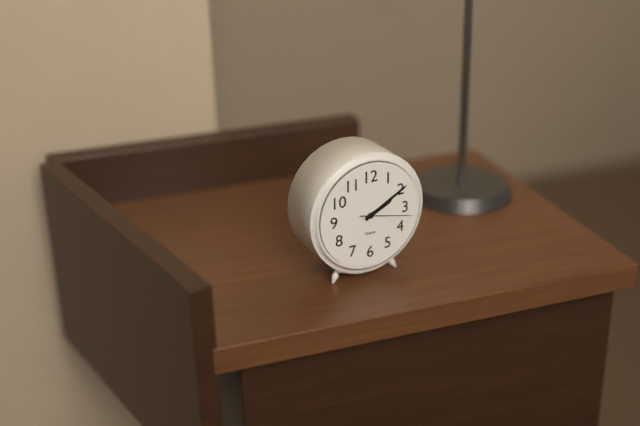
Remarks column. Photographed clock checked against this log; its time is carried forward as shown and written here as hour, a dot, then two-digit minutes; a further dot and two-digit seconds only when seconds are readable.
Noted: 2.10.17
